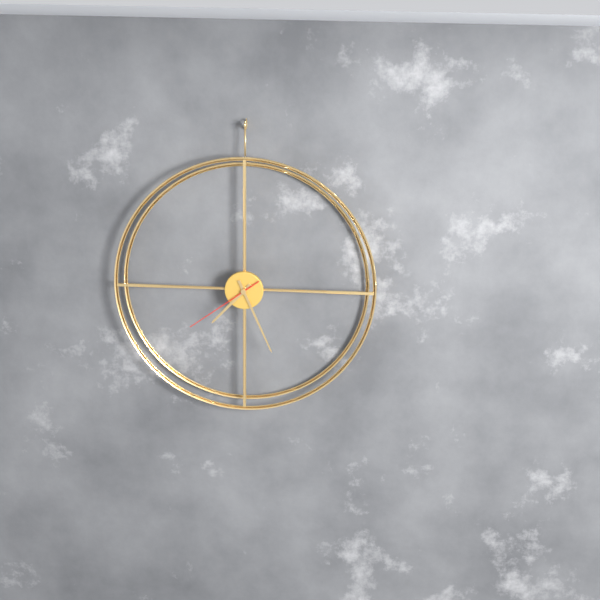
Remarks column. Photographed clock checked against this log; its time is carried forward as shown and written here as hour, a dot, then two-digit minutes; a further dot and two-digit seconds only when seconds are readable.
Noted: 7.26.39
